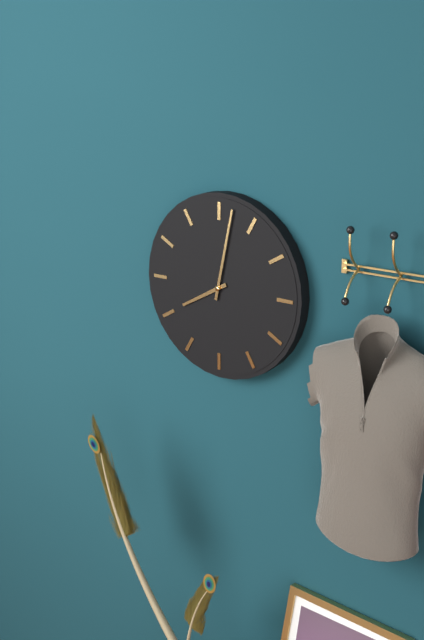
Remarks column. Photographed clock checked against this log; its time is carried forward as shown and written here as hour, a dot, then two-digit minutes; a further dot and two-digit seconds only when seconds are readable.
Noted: 8.02
